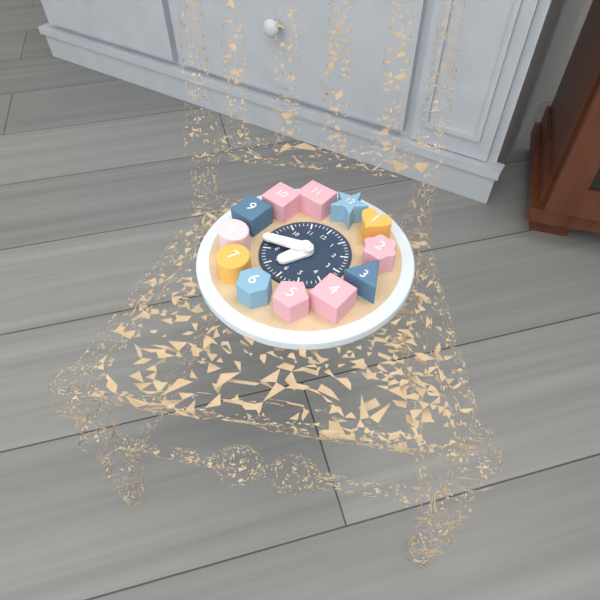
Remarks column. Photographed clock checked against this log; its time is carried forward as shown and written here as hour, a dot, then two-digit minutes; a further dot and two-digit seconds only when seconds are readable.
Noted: 6.42
